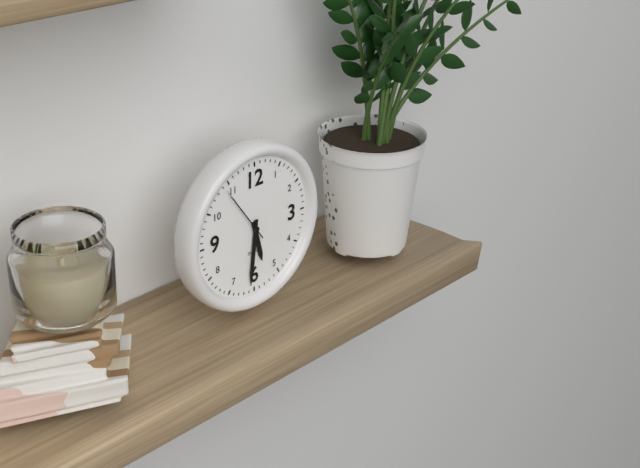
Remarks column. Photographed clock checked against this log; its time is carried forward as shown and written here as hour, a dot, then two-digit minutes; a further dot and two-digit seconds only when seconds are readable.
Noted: 5.31.54
